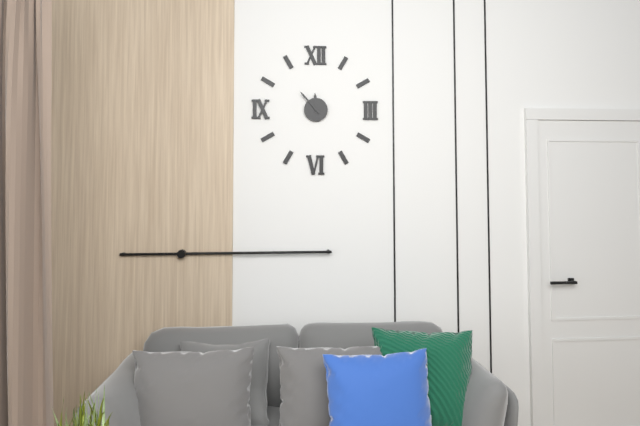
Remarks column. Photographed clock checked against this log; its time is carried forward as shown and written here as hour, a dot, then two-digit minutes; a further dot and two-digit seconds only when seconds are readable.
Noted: 11.53
